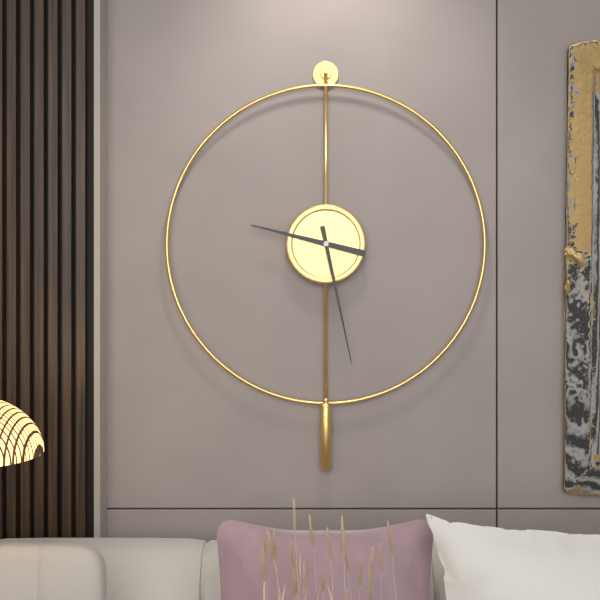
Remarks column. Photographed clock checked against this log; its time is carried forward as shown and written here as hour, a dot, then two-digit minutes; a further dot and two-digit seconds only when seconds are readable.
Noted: 9.28
